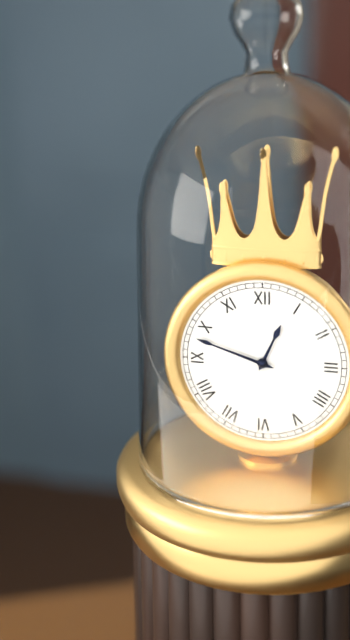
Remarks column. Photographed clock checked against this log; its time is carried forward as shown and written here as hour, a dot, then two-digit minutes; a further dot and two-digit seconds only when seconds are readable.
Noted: 12.48
